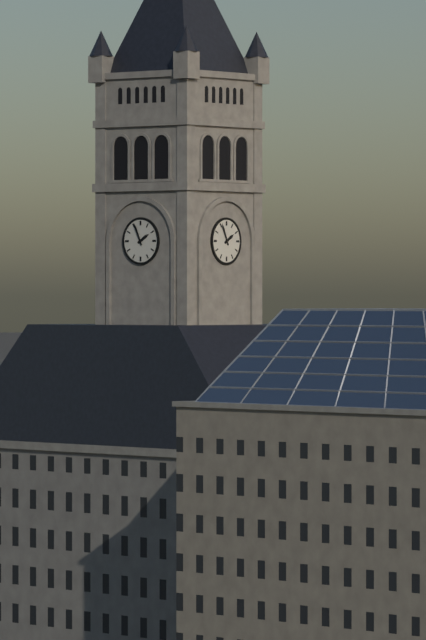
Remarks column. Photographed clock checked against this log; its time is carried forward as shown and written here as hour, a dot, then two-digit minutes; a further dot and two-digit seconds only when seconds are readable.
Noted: 1.56
